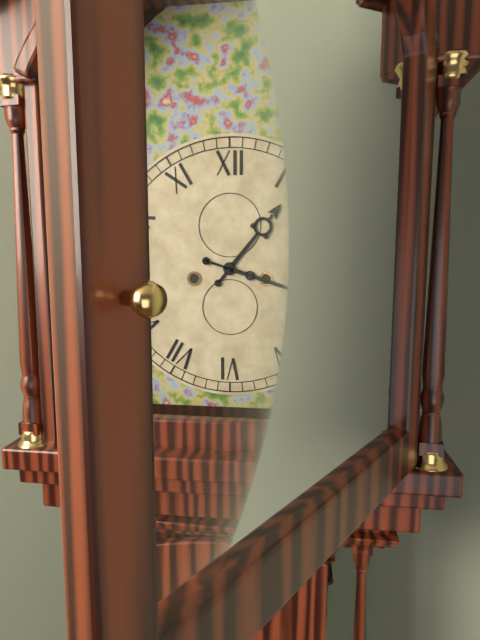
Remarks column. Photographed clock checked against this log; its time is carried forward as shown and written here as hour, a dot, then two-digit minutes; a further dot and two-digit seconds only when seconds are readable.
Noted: 1.18
